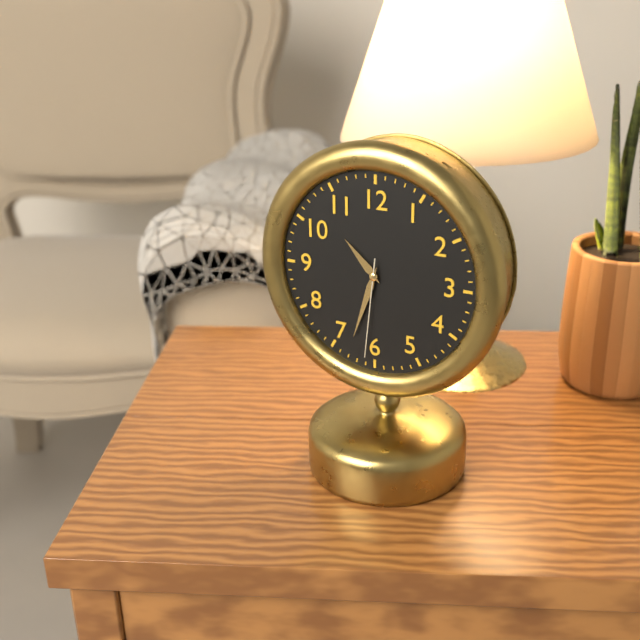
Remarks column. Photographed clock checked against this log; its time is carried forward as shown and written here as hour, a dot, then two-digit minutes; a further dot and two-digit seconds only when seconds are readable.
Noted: 10.33.31
